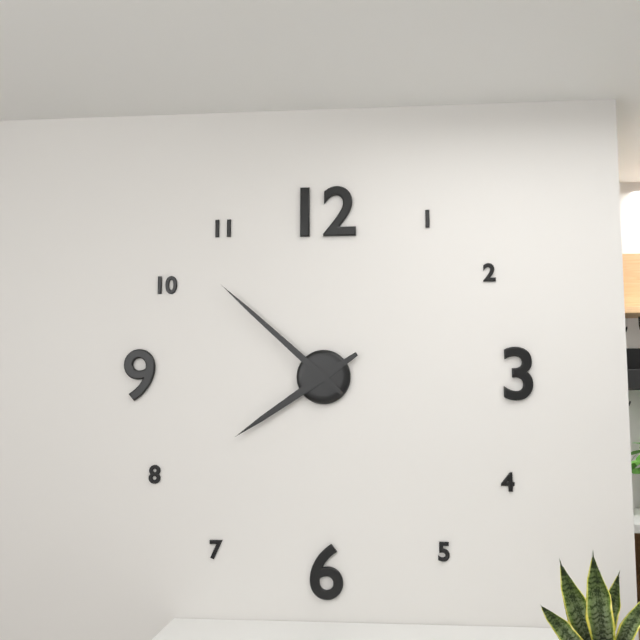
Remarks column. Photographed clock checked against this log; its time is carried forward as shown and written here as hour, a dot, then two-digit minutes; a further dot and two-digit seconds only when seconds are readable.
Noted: 7.52
